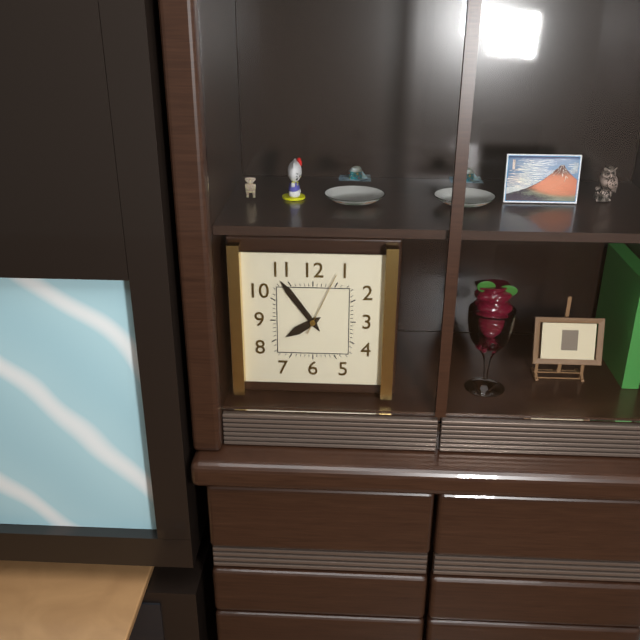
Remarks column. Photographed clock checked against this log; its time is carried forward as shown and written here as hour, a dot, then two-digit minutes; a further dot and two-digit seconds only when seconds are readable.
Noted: 7.54.04
